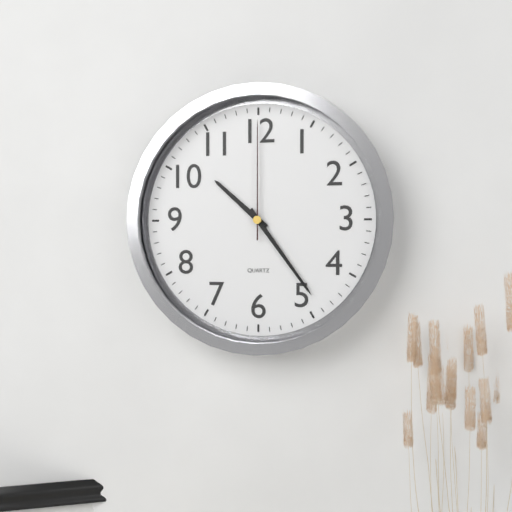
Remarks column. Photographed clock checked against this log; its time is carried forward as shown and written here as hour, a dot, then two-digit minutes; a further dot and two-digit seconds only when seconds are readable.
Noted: 10.24.00
